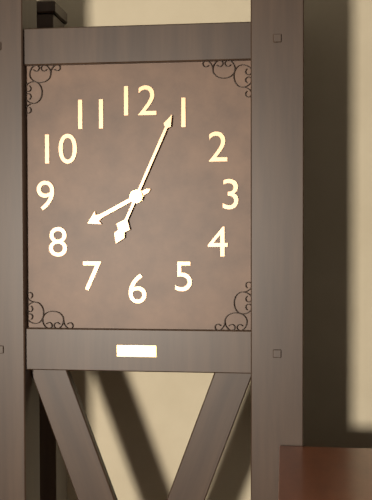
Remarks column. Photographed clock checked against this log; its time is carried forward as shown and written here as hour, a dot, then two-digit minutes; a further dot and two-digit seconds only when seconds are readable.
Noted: 8.04
